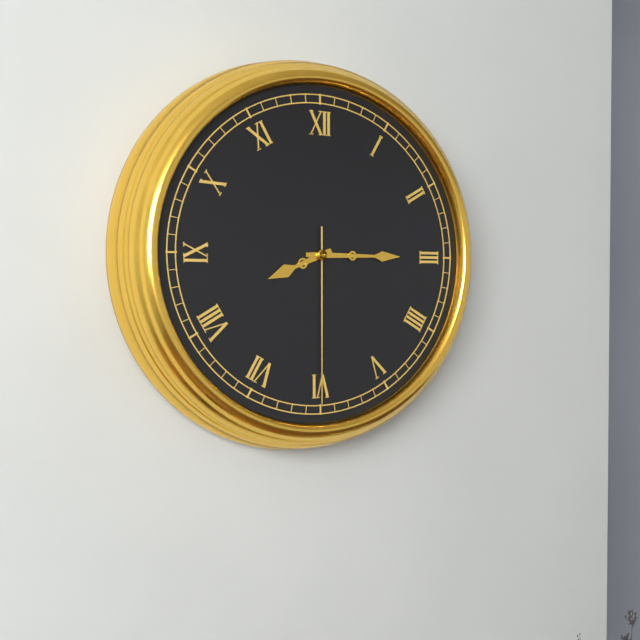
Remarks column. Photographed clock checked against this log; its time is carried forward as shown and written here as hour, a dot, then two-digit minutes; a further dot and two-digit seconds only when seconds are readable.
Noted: 8.15.30
